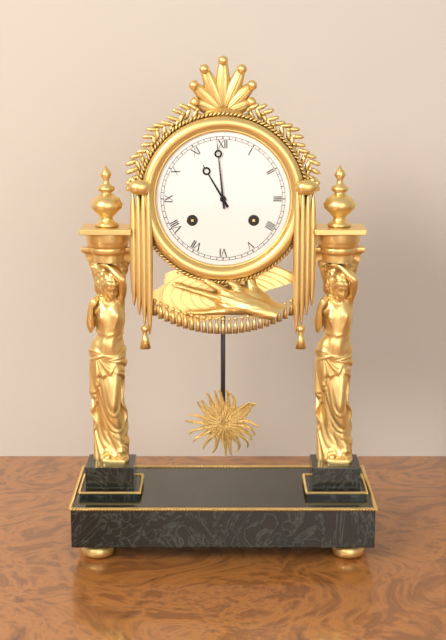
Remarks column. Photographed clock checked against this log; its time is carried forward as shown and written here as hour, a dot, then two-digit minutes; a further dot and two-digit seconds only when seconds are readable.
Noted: 10.59
